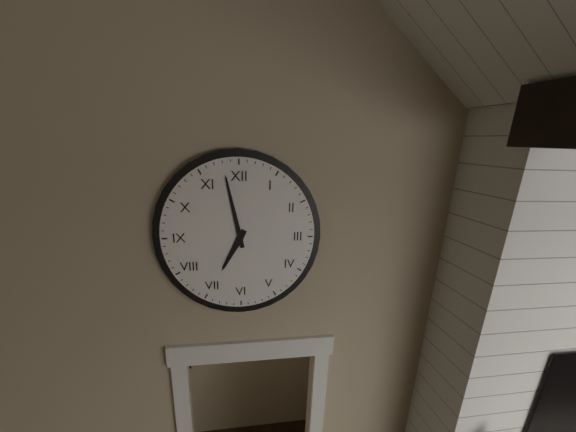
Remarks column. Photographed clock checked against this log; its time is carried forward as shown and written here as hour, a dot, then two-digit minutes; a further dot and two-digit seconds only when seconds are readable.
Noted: 6.58
